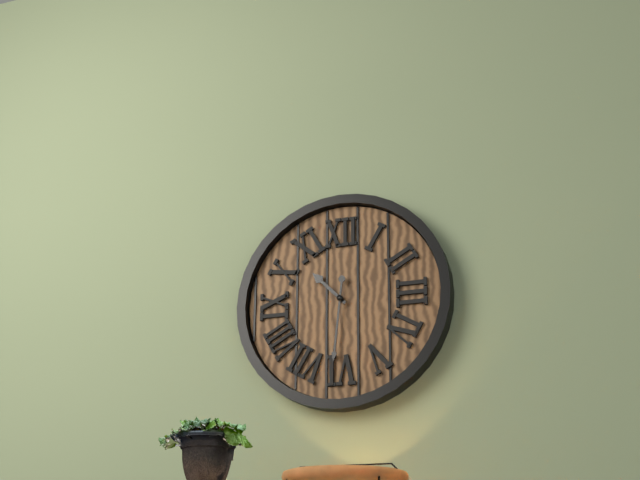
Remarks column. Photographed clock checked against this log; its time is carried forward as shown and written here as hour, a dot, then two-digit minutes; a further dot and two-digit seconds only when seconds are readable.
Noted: 10.31
